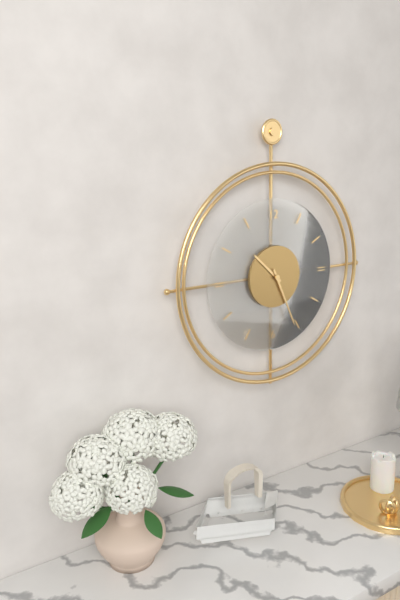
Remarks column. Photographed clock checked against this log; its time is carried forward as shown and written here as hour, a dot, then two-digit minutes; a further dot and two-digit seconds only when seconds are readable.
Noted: 10.26
